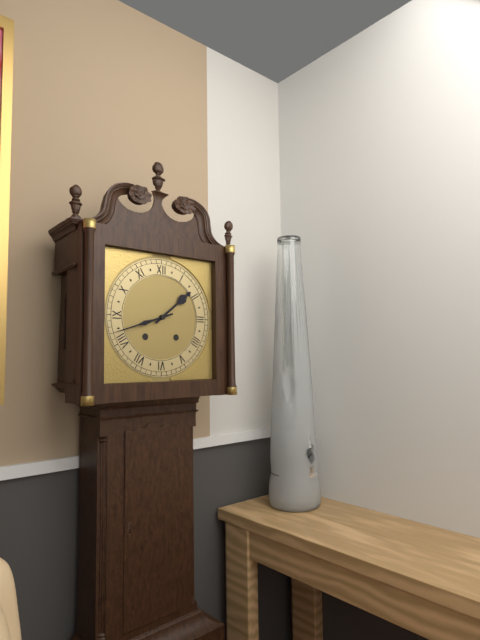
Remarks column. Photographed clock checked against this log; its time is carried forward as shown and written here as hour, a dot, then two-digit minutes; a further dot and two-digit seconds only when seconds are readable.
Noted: 1.42
